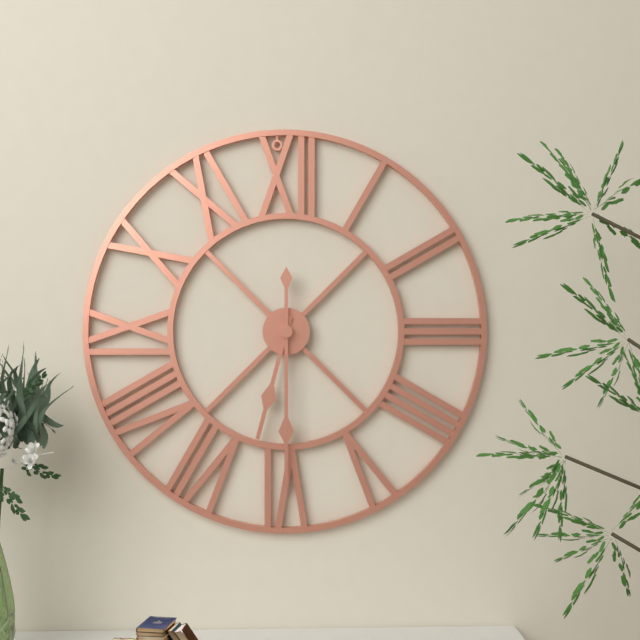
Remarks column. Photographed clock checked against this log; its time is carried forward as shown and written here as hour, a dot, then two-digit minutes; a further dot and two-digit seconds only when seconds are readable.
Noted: 6.30
